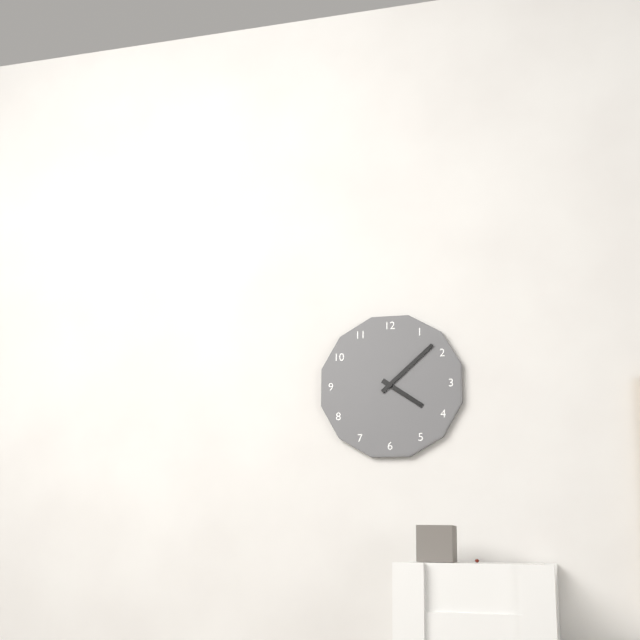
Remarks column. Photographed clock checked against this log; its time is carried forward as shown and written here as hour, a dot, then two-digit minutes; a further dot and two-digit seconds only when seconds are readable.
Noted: 4.08
